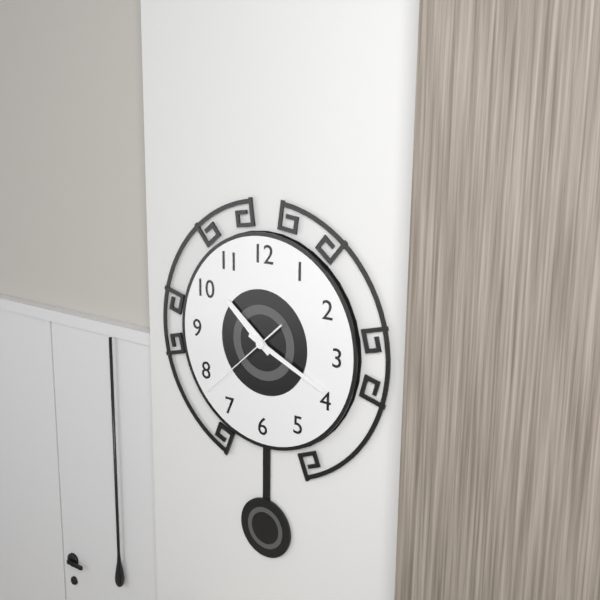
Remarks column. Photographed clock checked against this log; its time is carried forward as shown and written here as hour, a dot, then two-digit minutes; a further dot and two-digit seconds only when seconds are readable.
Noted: 10.19.38
